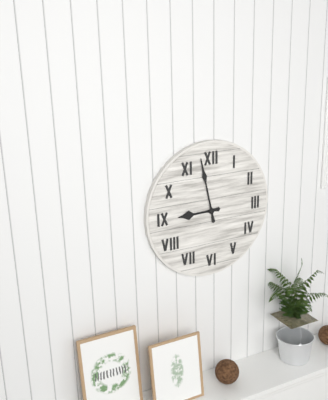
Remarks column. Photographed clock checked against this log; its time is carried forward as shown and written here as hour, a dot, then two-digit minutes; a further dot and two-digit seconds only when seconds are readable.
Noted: 8.58
